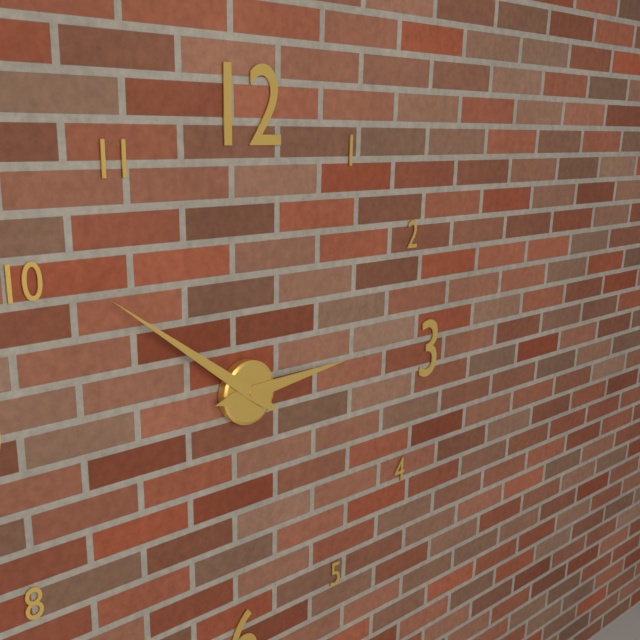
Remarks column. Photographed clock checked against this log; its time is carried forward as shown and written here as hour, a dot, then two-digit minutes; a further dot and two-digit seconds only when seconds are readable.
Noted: 2.51
